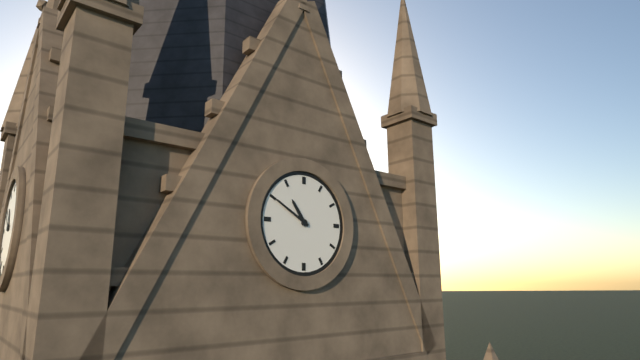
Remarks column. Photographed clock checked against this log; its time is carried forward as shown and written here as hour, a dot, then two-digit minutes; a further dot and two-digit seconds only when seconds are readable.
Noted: 10.50
